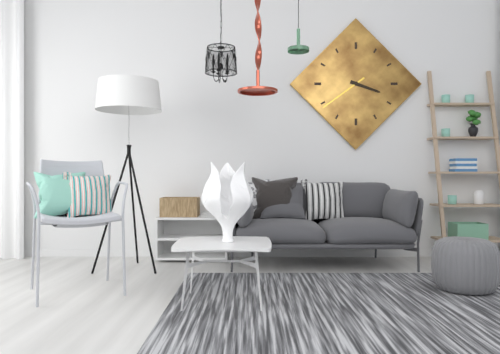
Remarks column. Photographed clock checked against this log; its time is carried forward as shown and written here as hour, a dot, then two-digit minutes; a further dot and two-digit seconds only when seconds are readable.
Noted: 3.39
